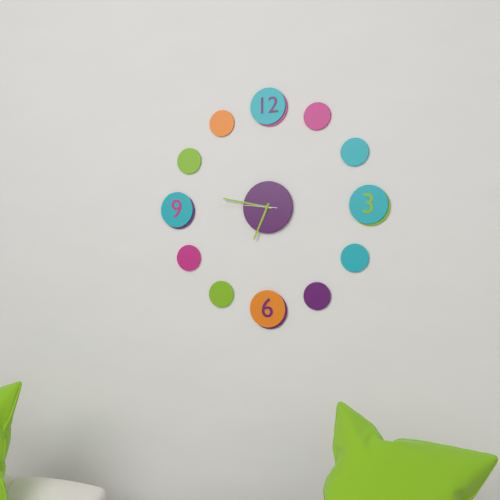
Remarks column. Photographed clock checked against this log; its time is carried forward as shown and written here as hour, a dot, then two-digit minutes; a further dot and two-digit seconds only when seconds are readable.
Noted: 6.47.46
